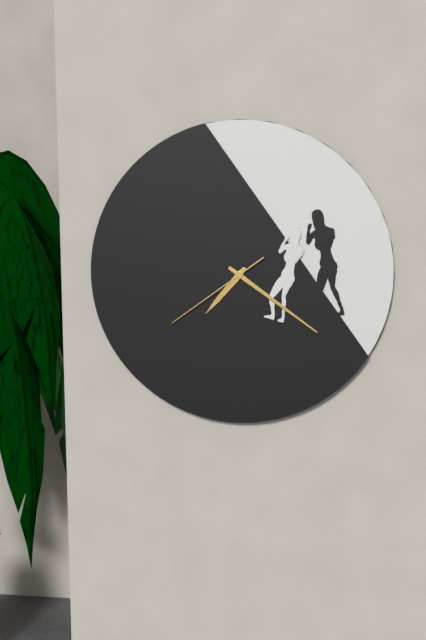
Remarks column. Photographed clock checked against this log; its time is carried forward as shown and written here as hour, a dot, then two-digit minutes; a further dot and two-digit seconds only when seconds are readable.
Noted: 7.21.39
